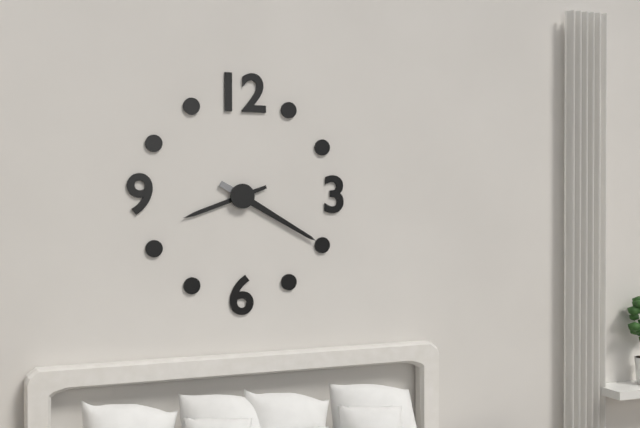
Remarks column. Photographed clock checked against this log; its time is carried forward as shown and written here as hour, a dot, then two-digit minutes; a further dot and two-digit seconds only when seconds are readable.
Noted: 8.20
